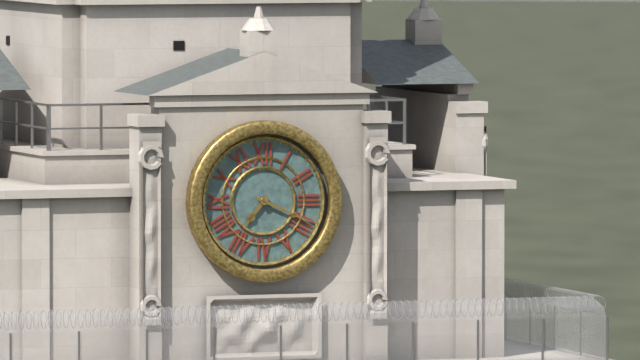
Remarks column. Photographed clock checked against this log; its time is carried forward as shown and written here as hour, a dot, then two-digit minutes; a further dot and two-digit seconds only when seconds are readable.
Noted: 7.19
